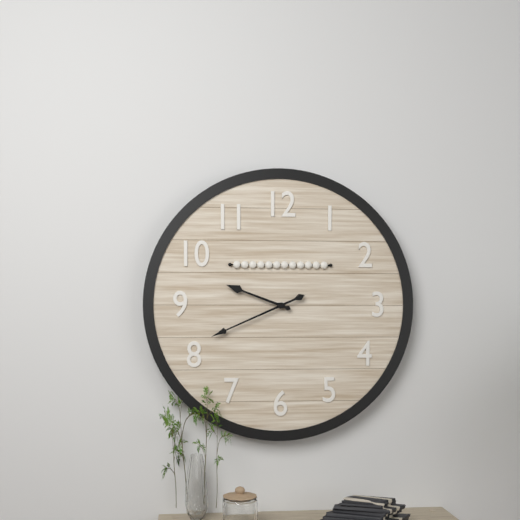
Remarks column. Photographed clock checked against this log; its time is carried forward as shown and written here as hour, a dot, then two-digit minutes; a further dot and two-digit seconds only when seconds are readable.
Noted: 9.41
